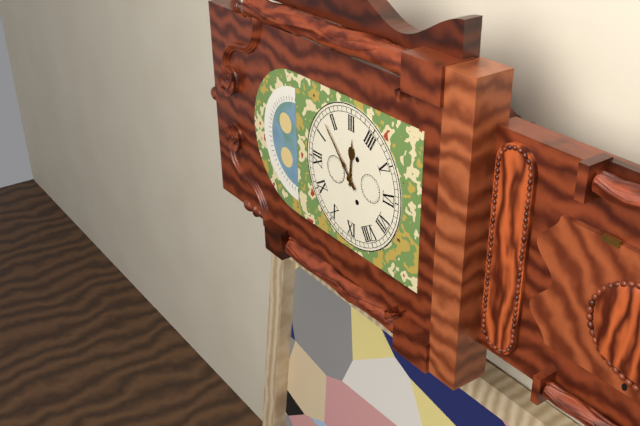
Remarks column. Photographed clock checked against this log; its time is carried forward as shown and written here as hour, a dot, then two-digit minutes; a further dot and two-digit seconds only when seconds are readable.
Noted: 3.08
